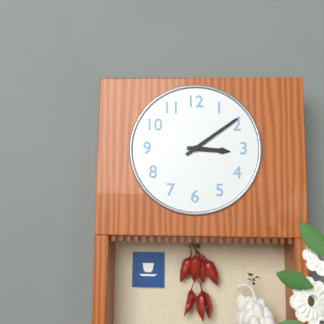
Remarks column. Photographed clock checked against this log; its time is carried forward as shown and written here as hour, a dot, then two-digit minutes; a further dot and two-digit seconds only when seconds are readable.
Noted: 3.09
